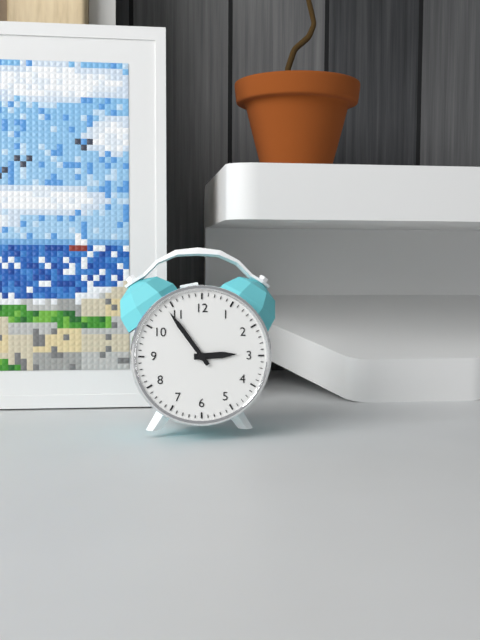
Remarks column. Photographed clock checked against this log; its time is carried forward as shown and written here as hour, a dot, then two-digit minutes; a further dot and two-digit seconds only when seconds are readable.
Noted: 2.54
